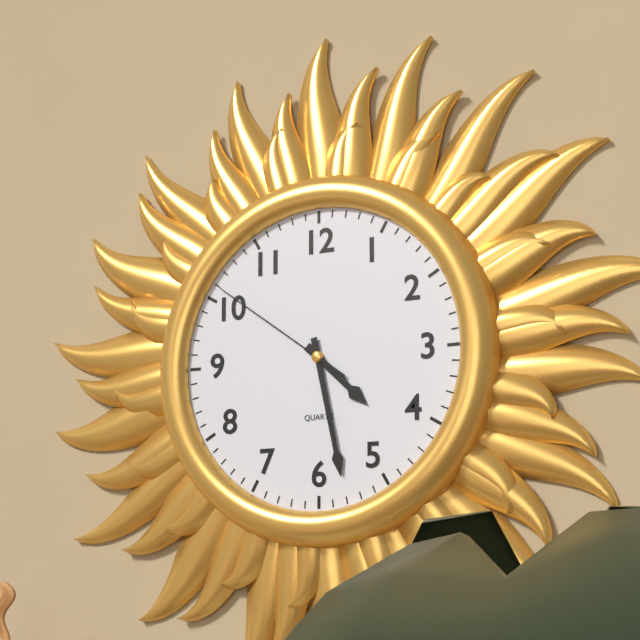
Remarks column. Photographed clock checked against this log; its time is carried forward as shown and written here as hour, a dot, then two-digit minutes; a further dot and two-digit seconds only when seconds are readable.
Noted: 4.28.51
